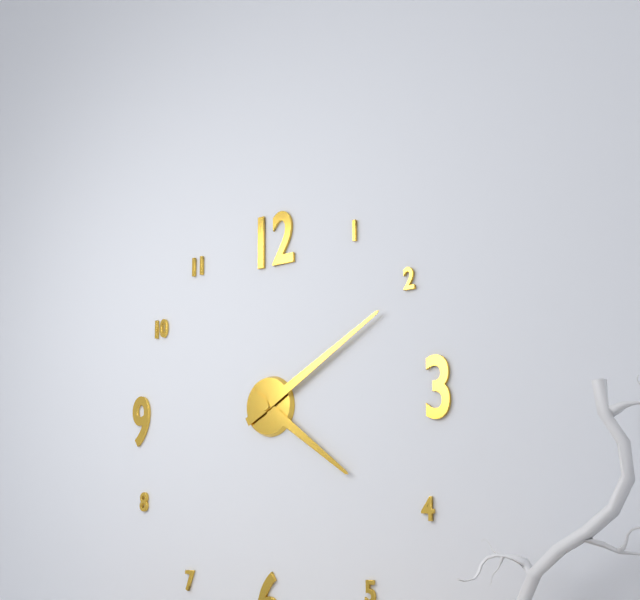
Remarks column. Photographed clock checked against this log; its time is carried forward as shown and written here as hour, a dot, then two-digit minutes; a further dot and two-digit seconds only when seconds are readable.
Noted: 4.10
